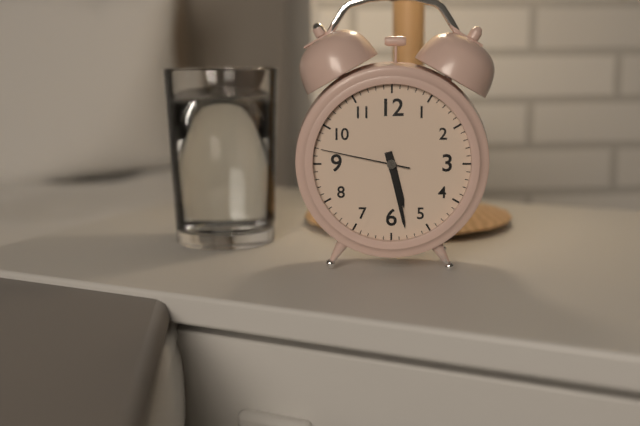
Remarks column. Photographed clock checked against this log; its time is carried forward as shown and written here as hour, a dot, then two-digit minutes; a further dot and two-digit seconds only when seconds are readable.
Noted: 5.28.47
